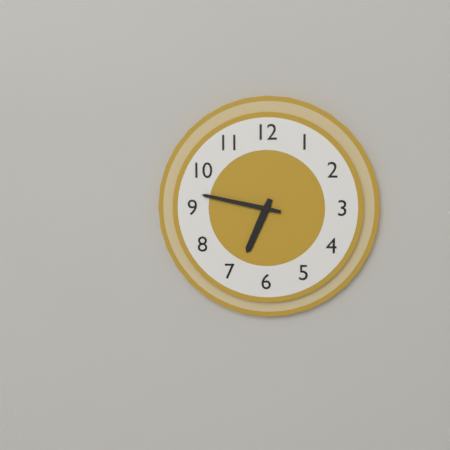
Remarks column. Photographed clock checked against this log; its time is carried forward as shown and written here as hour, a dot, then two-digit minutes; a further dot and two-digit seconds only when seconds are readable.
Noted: 6.47
